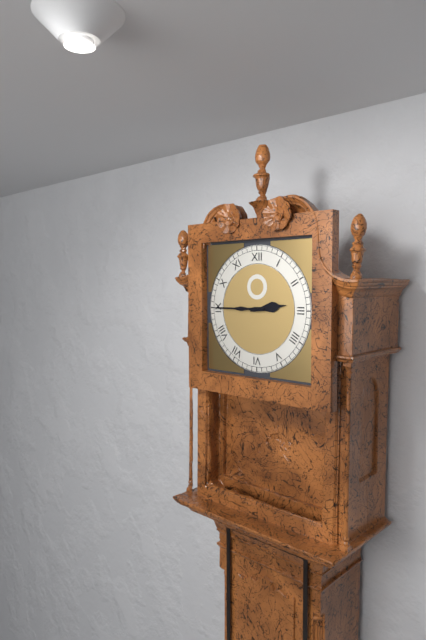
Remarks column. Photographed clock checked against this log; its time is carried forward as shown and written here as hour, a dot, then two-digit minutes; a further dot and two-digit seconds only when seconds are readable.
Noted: 2.45
